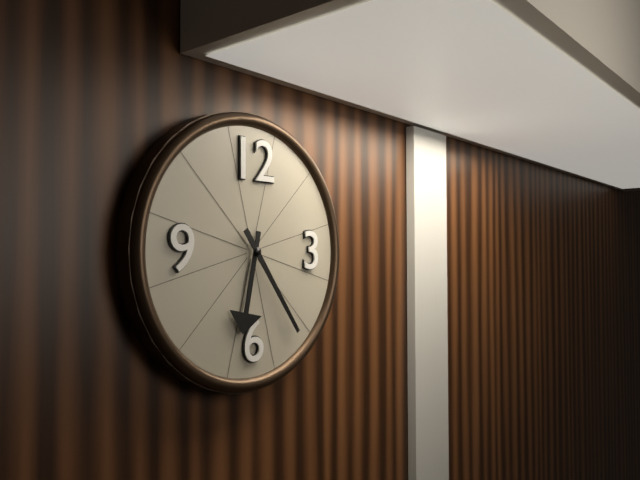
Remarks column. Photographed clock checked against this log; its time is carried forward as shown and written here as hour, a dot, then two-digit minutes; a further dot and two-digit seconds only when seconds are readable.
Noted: 6.24
